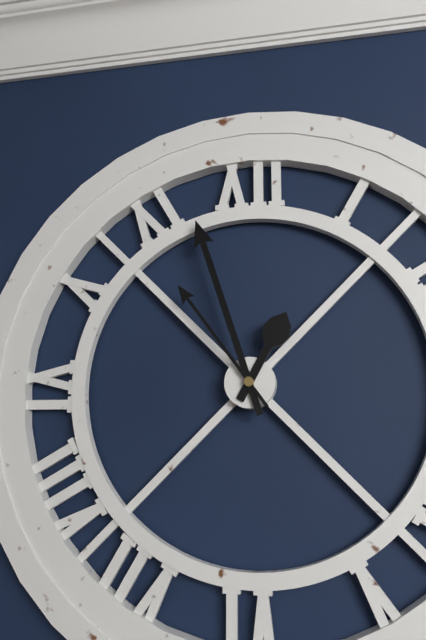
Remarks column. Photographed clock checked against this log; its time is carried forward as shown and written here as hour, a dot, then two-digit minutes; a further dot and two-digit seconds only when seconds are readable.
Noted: 12.57.54
